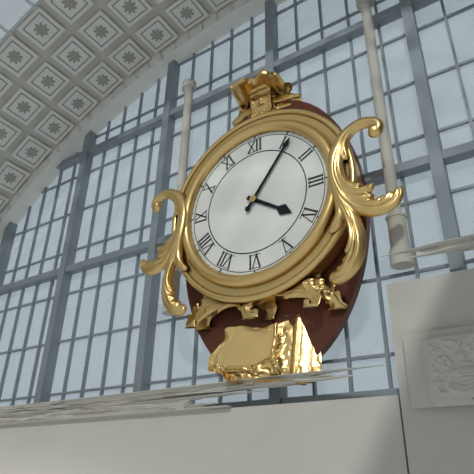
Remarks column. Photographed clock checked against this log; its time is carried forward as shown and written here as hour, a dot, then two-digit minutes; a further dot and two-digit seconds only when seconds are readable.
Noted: 4.06
